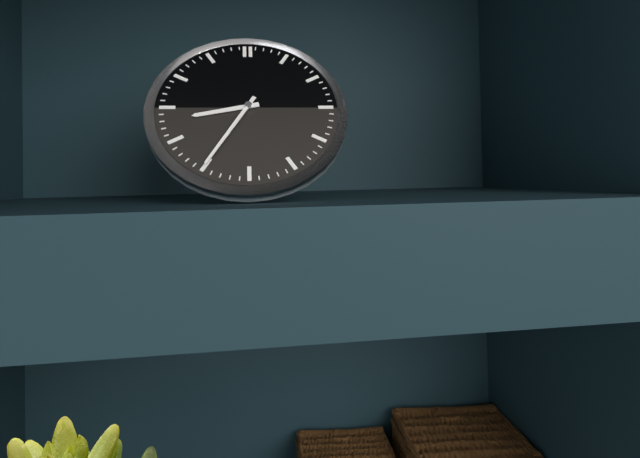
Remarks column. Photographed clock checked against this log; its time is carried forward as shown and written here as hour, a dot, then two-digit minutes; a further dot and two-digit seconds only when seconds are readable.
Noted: 8.35
